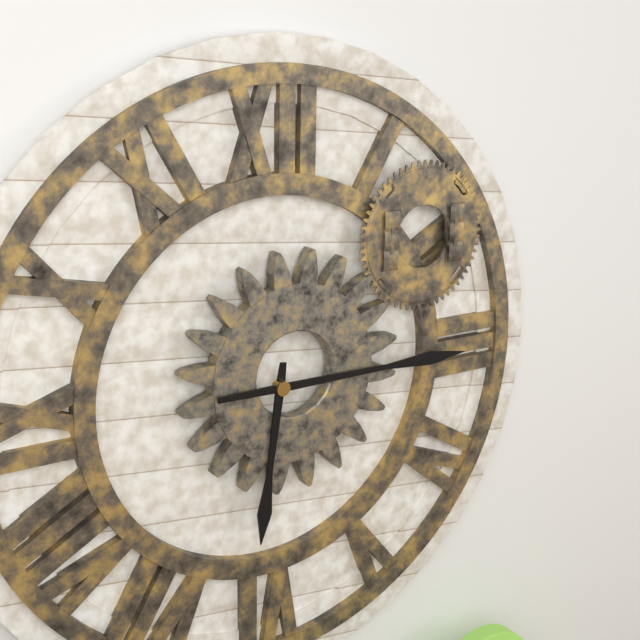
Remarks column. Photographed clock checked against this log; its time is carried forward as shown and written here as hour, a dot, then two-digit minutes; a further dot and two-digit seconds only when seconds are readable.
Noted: 6.15
